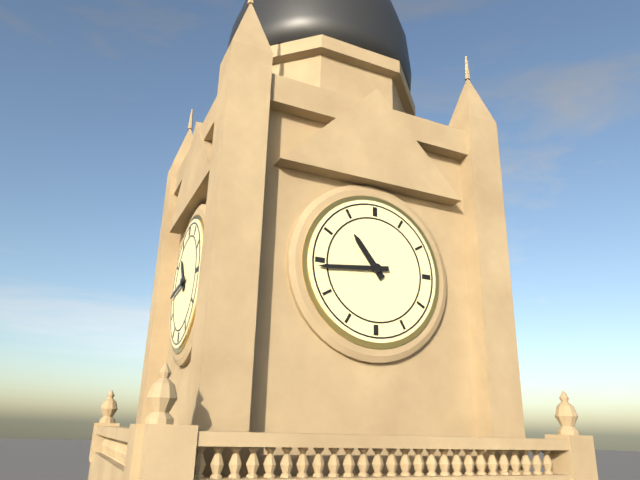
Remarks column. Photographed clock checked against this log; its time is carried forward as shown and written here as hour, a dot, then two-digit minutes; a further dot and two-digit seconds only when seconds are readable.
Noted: 10.44
